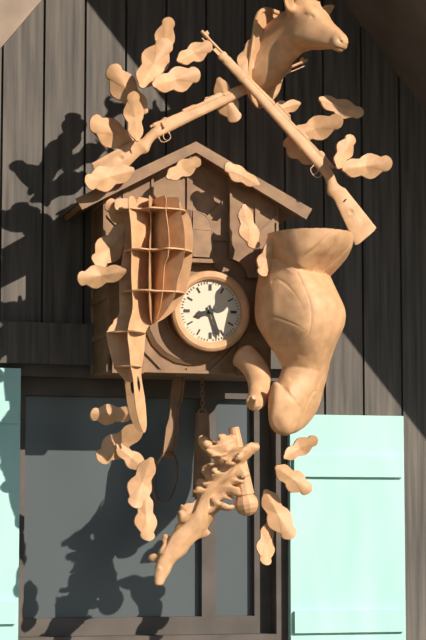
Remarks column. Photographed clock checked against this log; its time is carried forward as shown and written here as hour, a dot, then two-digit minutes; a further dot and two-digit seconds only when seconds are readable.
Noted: 8.27
